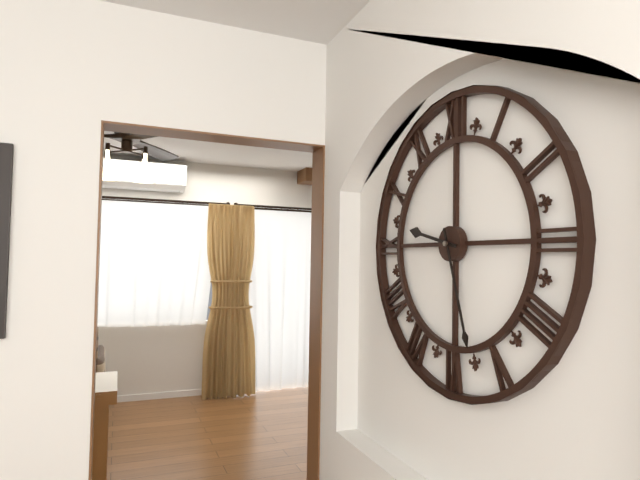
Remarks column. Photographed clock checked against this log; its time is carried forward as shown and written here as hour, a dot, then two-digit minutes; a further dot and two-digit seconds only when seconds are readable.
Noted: 9.27
